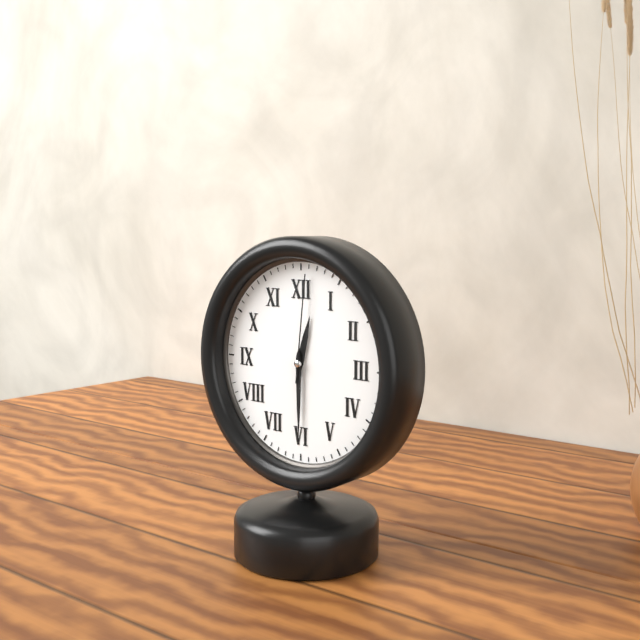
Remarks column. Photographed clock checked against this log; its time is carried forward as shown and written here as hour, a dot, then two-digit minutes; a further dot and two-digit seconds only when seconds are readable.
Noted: 12.30.01
